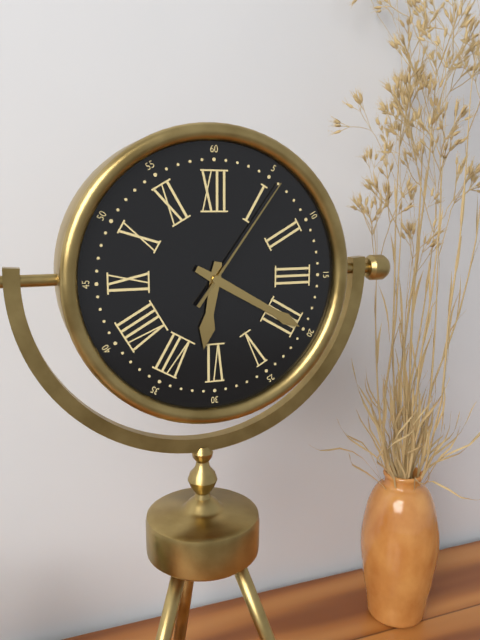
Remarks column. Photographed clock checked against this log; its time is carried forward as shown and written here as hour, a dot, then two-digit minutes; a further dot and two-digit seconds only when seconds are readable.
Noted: 6.20.06
